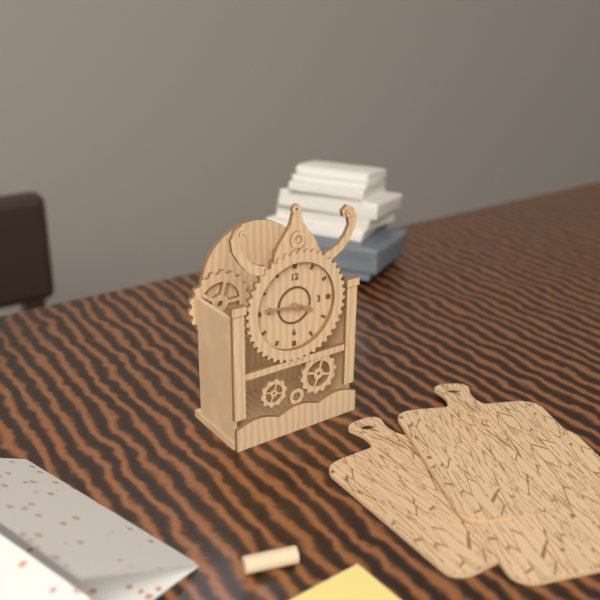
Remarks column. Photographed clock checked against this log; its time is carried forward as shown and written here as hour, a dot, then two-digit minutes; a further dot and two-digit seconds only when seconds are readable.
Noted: 3.46
